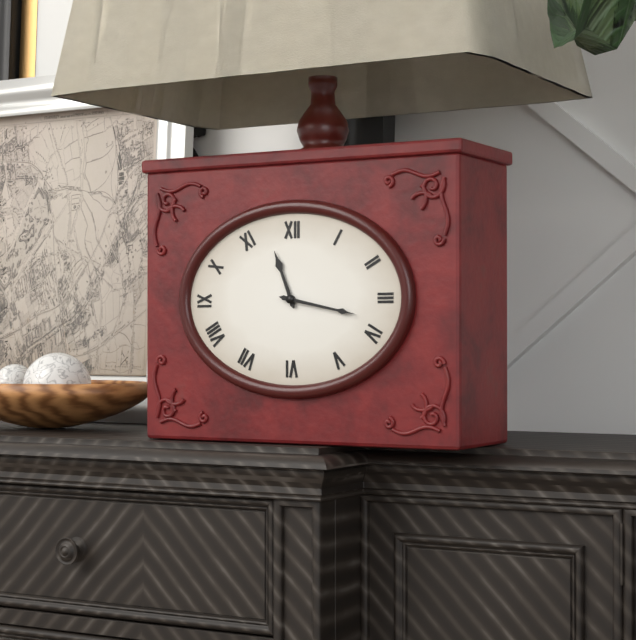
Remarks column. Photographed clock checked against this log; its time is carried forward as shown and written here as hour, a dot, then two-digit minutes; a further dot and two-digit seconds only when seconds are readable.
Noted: 11.17
